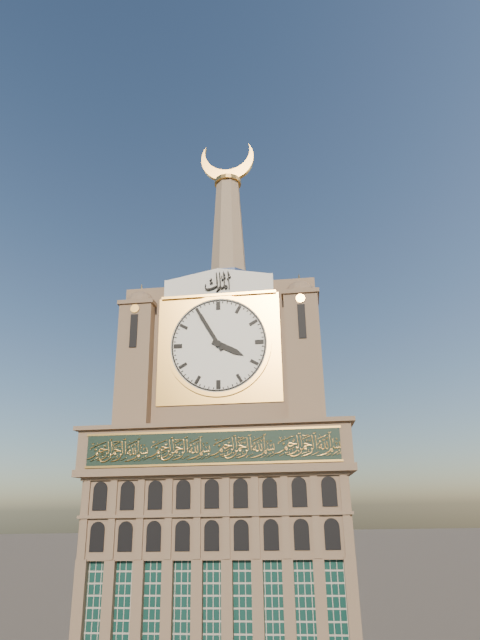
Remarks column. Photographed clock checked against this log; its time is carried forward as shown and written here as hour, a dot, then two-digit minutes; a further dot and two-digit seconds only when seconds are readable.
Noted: 3.55
